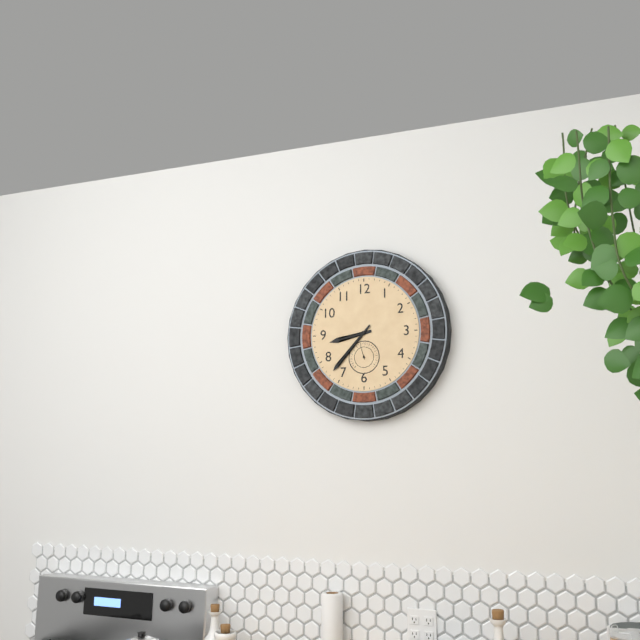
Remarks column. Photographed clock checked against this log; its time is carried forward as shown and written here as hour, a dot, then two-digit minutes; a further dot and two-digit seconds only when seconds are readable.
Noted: 8.37
